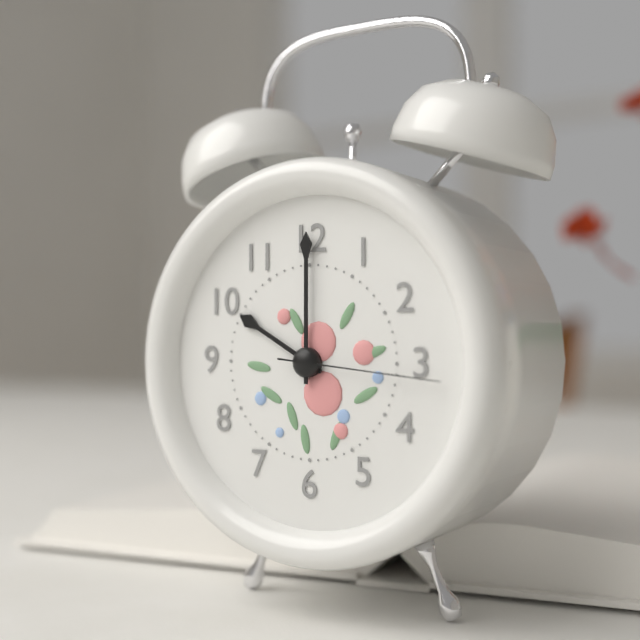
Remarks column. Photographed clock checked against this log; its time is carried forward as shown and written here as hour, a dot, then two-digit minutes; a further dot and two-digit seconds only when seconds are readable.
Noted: 10.00.16
